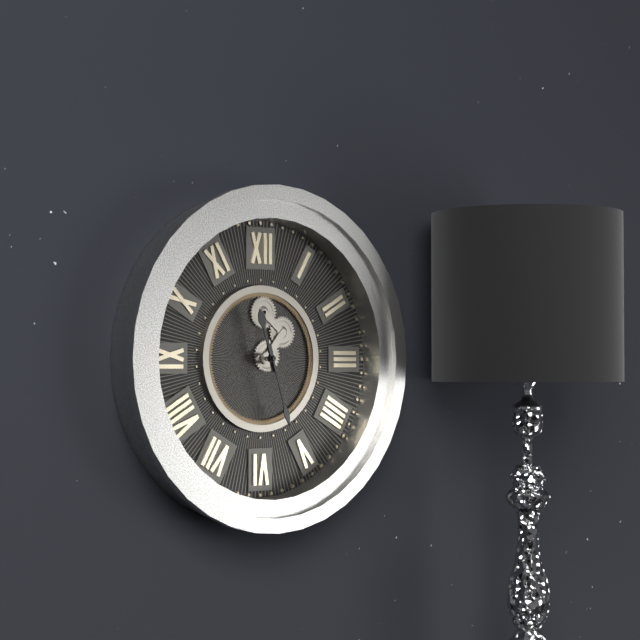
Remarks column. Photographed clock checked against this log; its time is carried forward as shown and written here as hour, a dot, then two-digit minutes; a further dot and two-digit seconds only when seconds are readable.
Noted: 11.27
